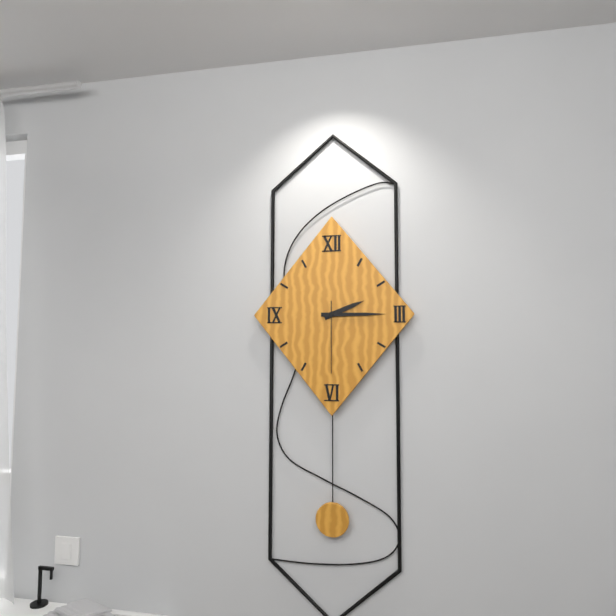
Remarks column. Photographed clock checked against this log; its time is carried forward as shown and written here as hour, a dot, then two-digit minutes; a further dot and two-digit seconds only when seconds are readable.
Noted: 2.15.30
